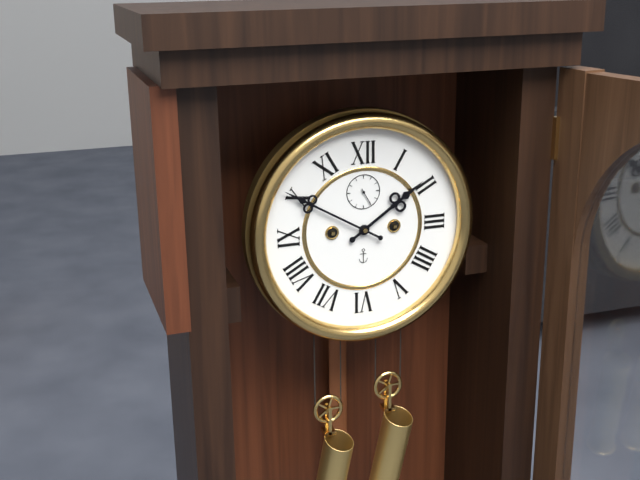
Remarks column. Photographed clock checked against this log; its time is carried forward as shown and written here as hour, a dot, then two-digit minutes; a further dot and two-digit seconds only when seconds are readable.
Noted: 1.50
